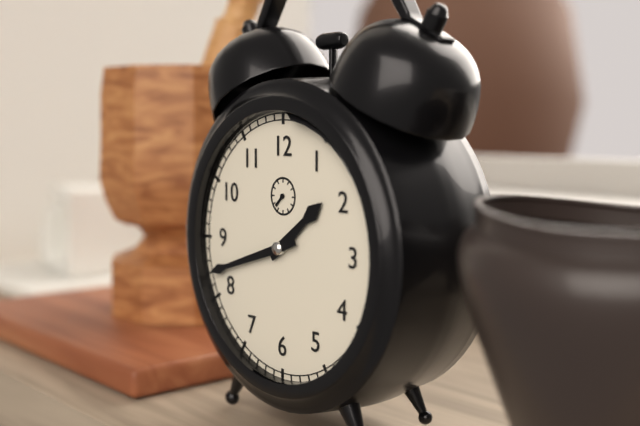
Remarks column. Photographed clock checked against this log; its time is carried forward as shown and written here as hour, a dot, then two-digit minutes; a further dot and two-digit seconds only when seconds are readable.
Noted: 1.42
